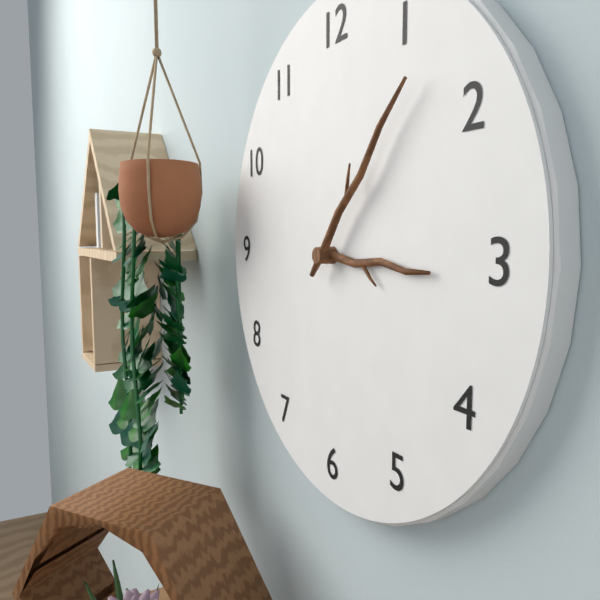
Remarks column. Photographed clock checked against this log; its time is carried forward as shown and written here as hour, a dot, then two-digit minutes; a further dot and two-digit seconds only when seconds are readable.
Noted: 3.07
